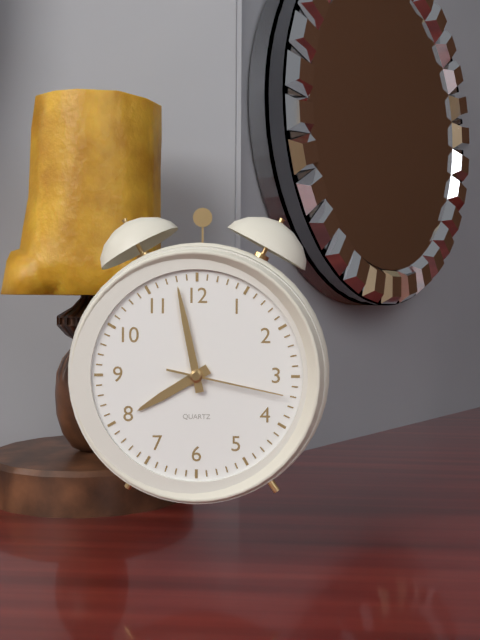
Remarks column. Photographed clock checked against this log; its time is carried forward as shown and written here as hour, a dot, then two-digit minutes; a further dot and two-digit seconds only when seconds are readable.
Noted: 7.58.17
